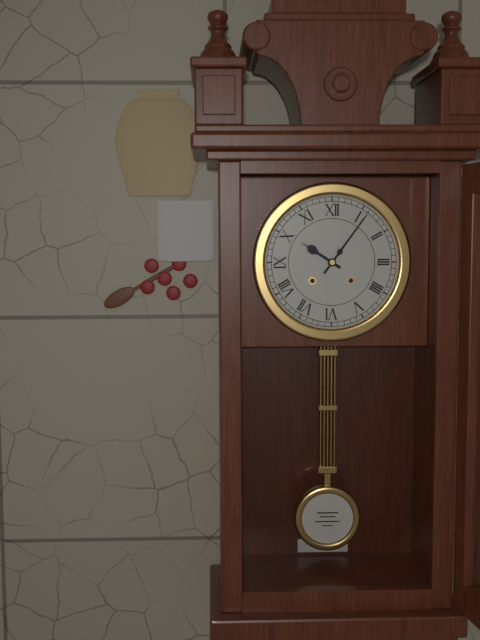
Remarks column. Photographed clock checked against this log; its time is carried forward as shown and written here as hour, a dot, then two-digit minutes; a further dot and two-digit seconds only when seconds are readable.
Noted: 10.06
